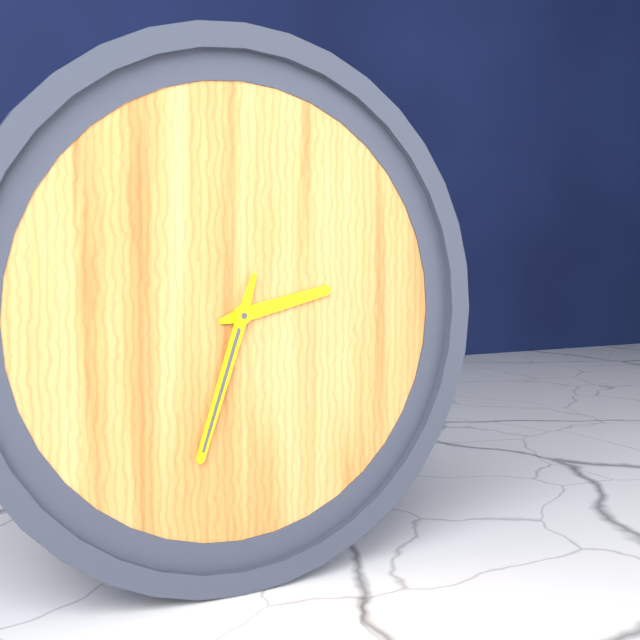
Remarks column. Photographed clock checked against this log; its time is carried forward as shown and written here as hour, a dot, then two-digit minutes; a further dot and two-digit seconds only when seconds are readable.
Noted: 2.33
